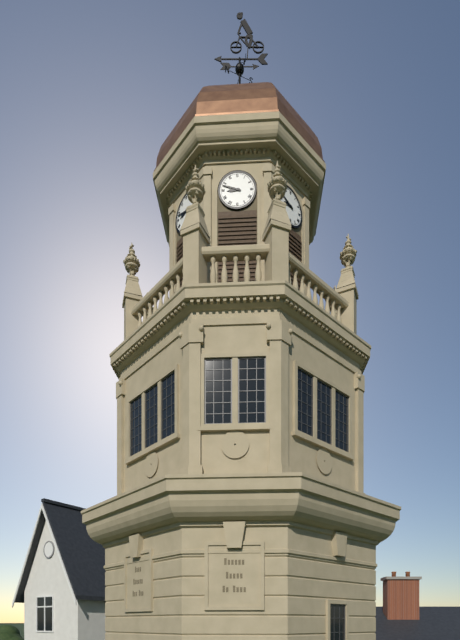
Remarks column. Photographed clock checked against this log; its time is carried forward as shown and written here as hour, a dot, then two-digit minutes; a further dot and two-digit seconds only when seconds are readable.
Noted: 8.48
